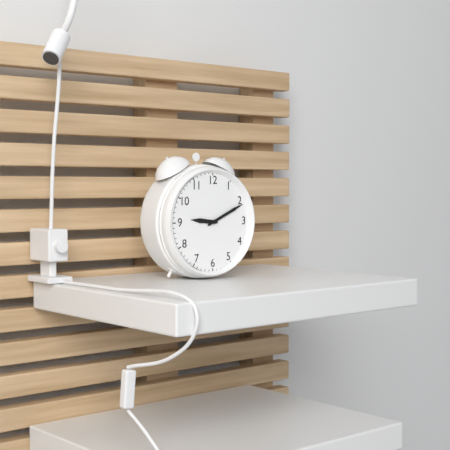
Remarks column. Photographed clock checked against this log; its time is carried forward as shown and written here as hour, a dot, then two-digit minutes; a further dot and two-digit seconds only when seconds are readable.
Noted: 9.11
